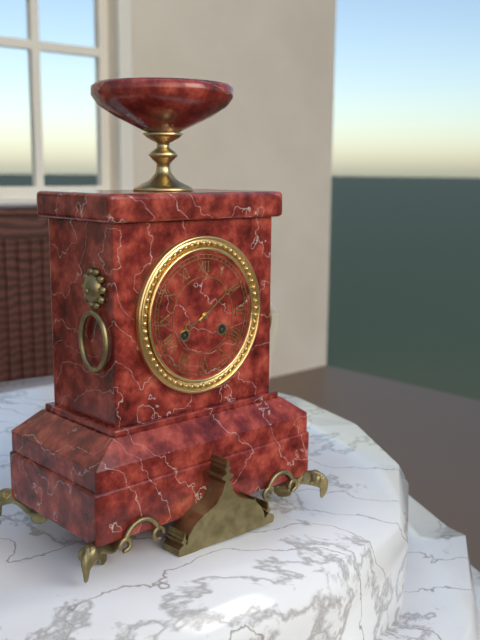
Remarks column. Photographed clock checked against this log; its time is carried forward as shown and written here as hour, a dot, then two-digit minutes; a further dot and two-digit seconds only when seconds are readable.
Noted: 8.09
